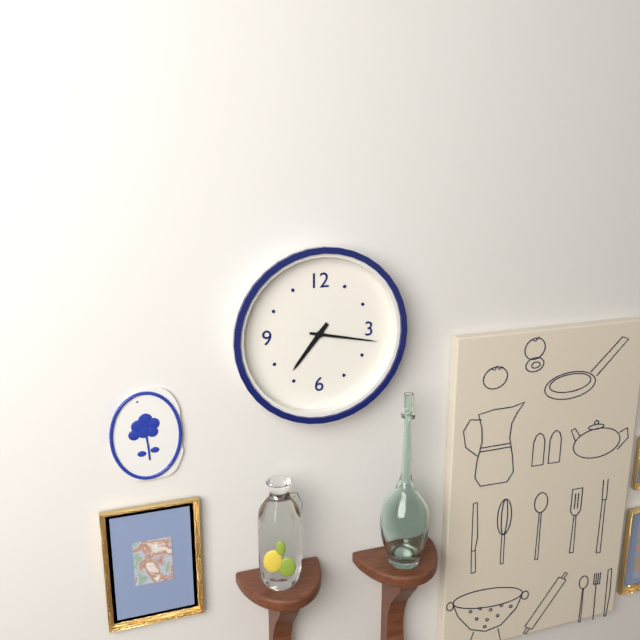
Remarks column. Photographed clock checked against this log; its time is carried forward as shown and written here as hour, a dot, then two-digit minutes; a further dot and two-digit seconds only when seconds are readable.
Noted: 7.17
